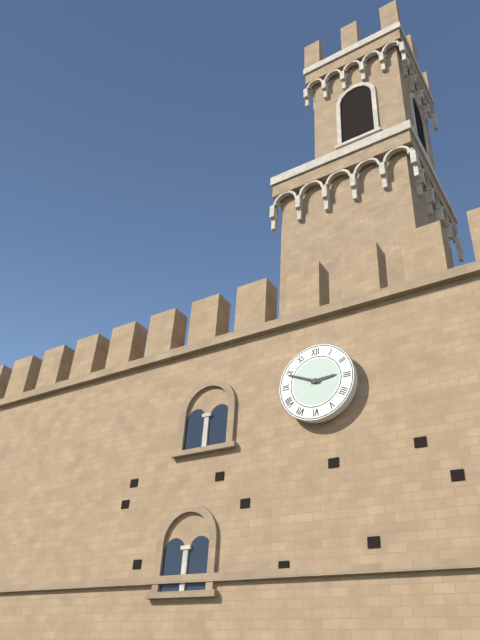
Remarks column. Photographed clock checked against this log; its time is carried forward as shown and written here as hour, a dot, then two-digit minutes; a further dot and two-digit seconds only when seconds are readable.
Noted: 2.49
